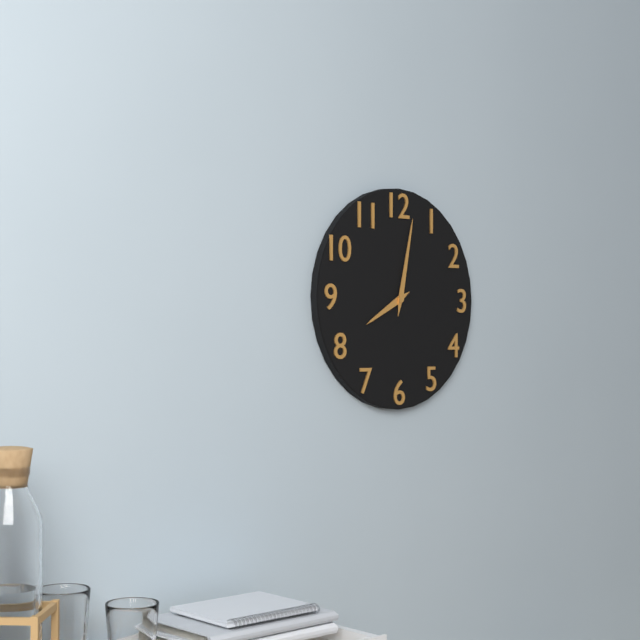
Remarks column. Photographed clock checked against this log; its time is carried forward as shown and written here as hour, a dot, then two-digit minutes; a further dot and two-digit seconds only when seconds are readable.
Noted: 8.02
